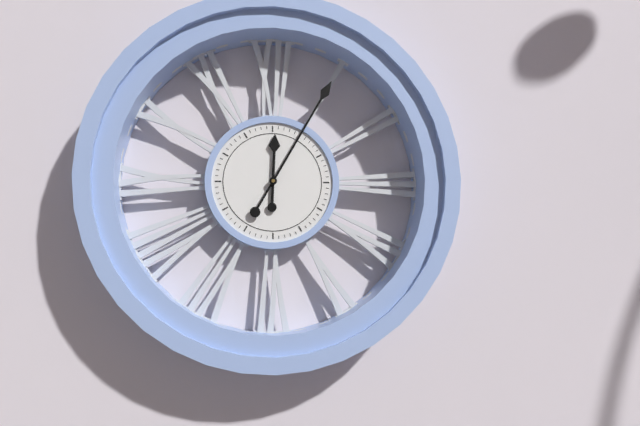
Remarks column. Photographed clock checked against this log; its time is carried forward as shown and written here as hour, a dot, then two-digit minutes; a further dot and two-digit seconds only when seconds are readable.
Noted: 12.05
